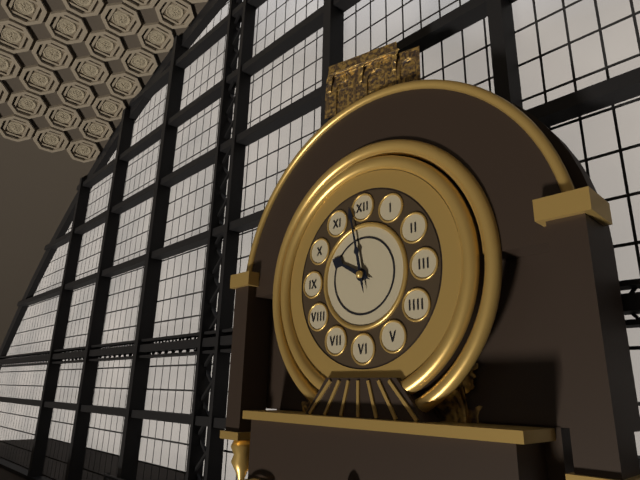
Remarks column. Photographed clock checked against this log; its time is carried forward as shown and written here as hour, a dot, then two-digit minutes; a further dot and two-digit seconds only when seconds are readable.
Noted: 9.58
